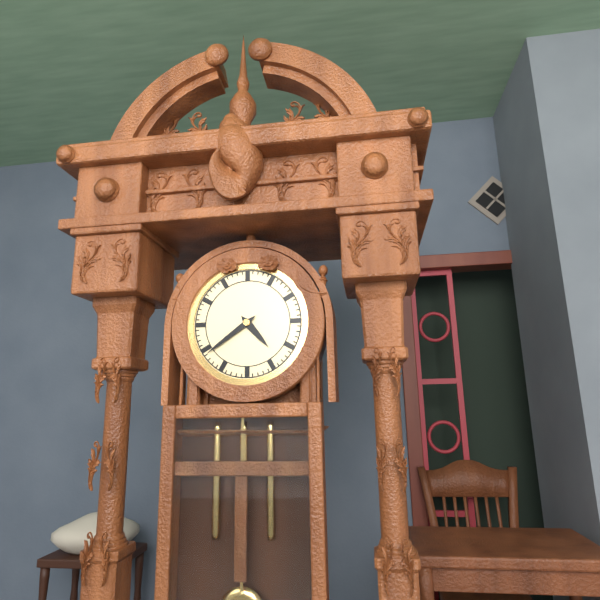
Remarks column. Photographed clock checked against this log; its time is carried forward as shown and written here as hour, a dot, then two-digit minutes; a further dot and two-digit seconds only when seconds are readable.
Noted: 4.39
